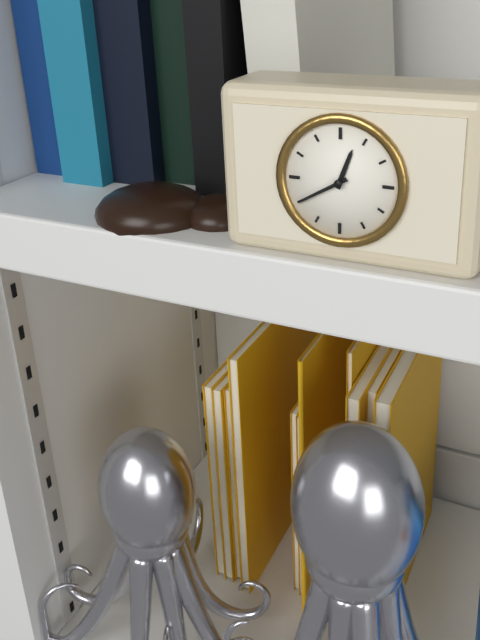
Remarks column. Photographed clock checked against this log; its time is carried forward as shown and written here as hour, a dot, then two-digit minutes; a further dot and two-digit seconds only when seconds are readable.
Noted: 12.40
